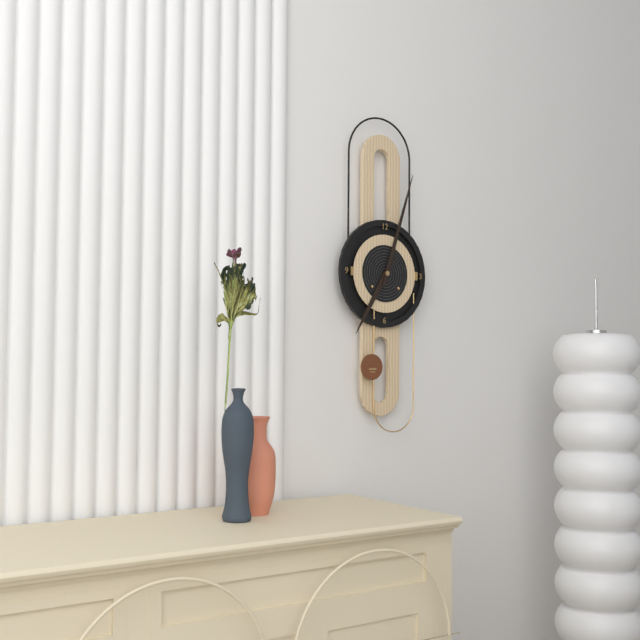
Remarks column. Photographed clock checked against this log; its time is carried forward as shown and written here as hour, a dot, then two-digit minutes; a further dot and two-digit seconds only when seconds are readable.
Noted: 7.03
